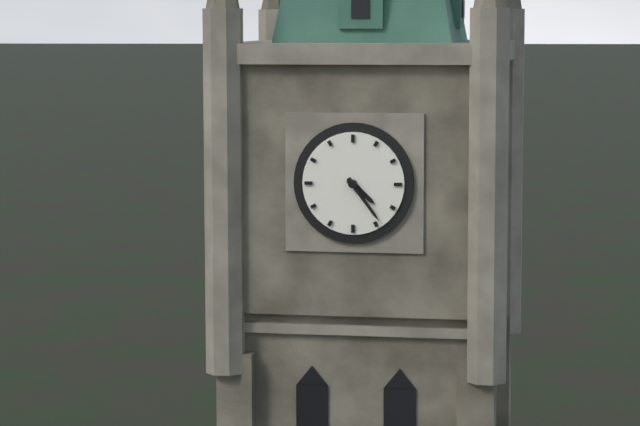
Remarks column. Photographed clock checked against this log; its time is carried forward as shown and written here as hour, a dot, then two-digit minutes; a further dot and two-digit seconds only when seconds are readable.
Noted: 4.24
